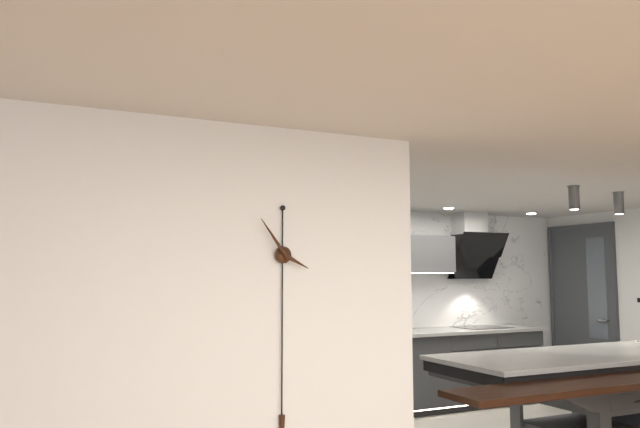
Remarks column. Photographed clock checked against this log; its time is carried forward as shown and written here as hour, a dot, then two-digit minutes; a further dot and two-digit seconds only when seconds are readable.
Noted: 3.54
